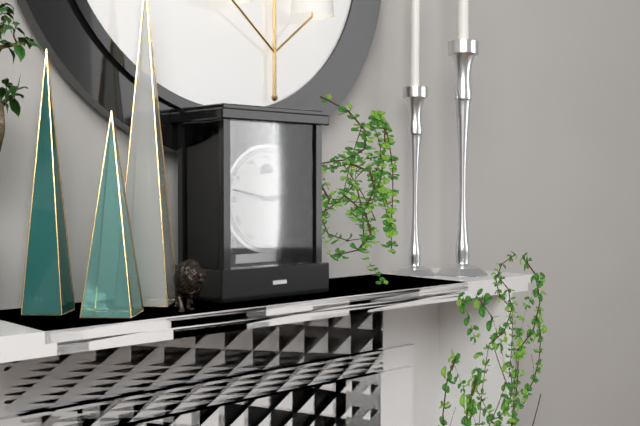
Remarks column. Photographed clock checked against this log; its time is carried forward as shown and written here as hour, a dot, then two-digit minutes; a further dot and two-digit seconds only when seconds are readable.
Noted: 2.47
